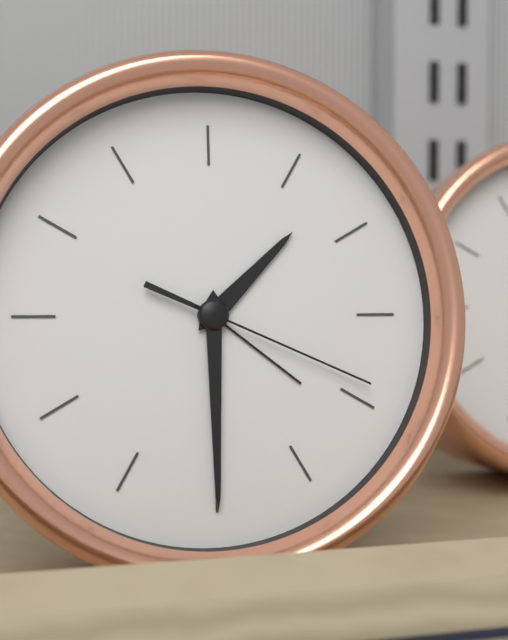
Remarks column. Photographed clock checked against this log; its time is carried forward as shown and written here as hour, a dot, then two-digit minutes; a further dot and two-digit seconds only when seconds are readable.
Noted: 1.30.19
